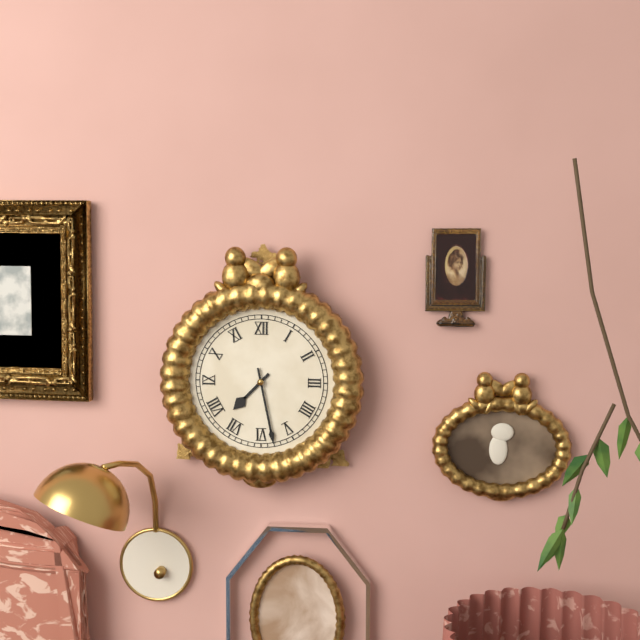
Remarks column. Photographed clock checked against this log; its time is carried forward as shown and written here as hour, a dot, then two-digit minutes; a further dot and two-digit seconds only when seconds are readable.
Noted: 7.28
